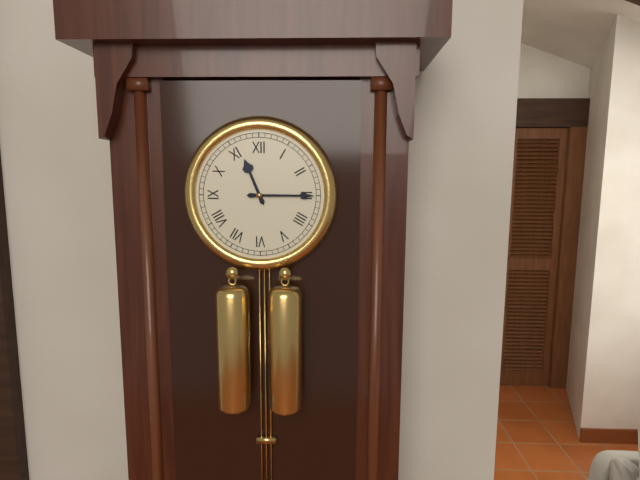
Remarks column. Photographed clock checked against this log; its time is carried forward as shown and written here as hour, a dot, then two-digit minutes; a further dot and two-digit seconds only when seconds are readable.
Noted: 11.15
